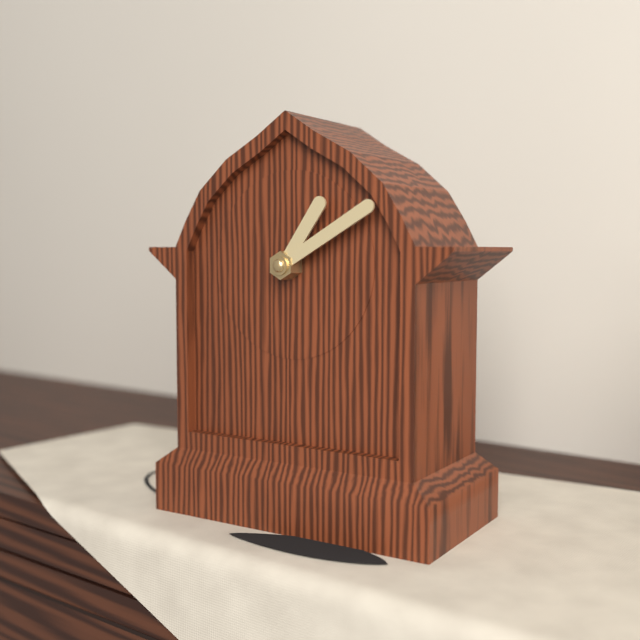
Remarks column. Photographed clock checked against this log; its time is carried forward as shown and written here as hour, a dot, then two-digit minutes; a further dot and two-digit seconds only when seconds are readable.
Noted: 1.10
